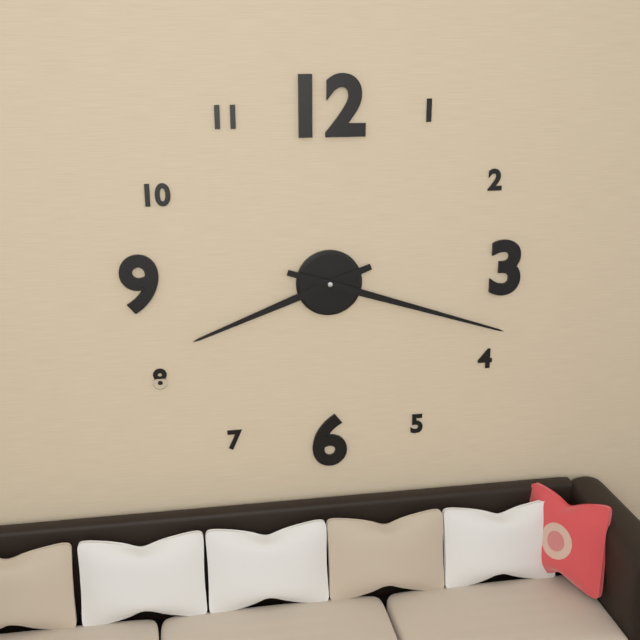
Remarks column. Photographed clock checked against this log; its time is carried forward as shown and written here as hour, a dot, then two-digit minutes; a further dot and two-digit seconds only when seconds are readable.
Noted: 8.18
